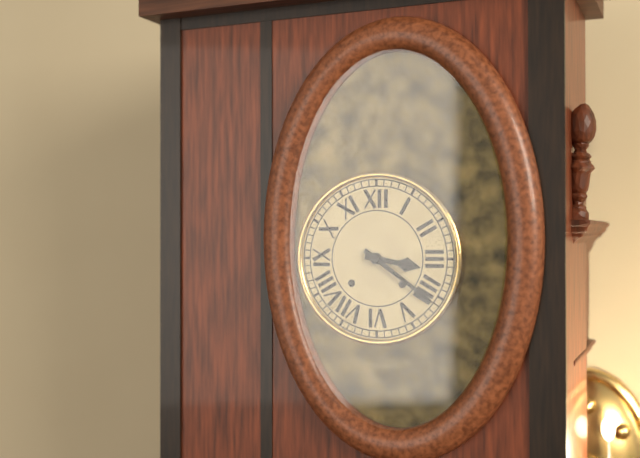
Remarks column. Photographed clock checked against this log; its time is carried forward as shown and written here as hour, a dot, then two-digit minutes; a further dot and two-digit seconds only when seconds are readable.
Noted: 3.21
